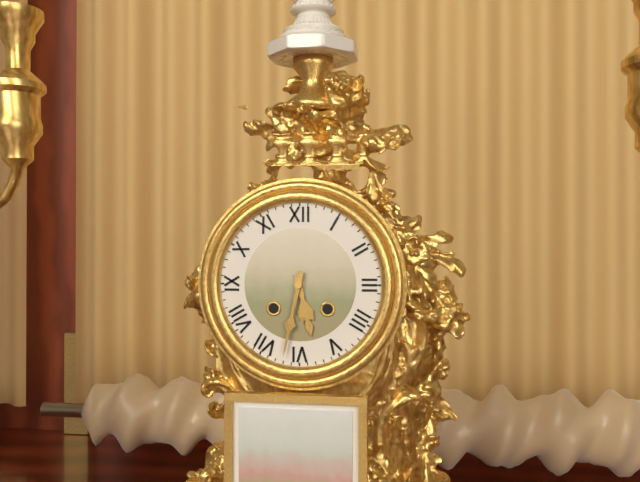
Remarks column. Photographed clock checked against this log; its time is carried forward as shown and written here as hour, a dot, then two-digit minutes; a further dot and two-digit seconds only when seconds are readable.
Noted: 5.32
